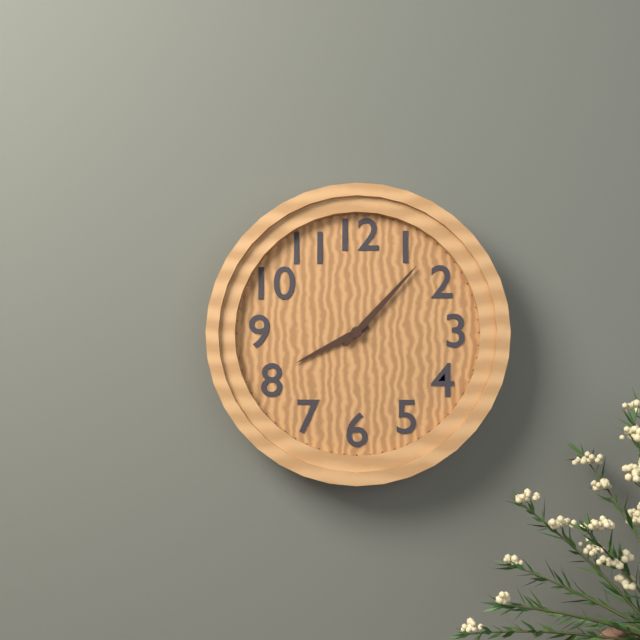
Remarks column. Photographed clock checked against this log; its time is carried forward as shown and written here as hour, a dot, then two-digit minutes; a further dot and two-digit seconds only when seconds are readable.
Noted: 8.07
